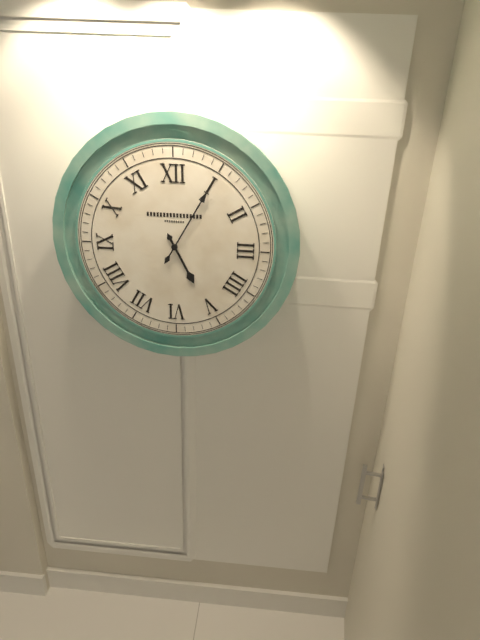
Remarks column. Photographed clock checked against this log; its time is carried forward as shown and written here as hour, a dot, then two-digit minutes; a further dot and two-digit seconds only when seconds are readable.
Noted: 5.05
